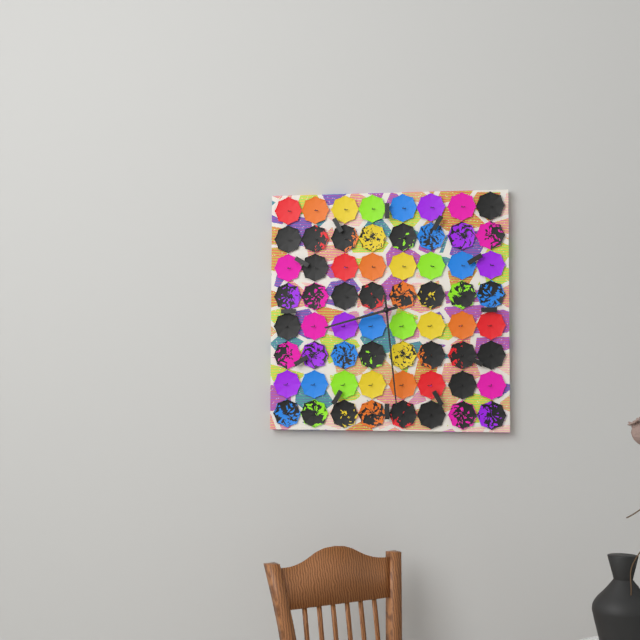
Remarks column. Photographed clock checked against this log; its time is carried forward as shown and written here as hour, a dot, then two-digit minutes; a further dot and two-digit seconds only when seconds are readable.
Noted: 8.29
